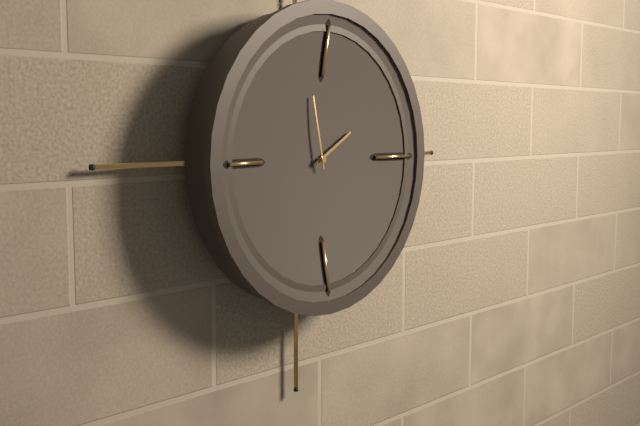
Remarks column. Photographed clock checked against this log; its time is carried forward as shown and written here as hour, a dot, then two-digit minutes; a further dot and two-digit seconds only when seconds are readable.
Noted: 1.58
